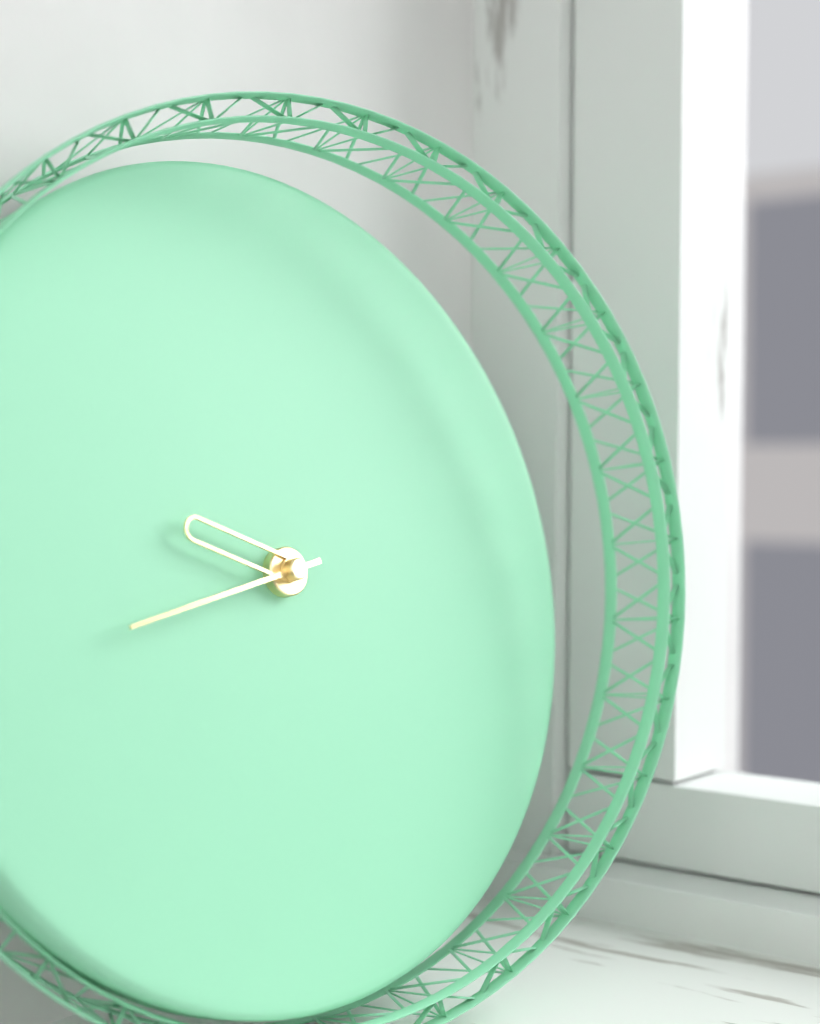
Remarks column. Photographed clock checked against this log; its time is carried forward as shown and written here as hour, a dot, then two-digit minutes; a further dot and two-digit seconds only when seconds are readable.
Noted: 9.43
